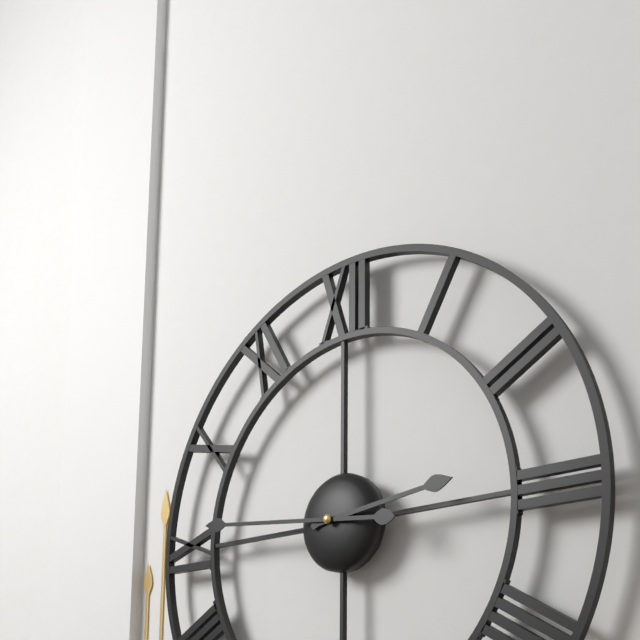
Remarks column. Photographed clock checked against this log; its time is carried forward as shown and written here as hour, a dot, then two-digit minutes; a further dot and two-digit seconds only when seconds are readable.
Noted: 2.46
